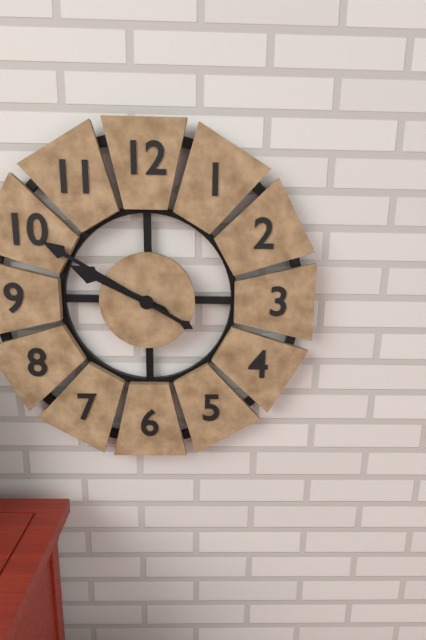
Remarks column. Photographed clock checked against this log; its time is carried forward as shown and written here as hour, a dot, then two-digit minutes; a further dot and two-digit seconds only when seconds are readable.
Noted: 9.50
